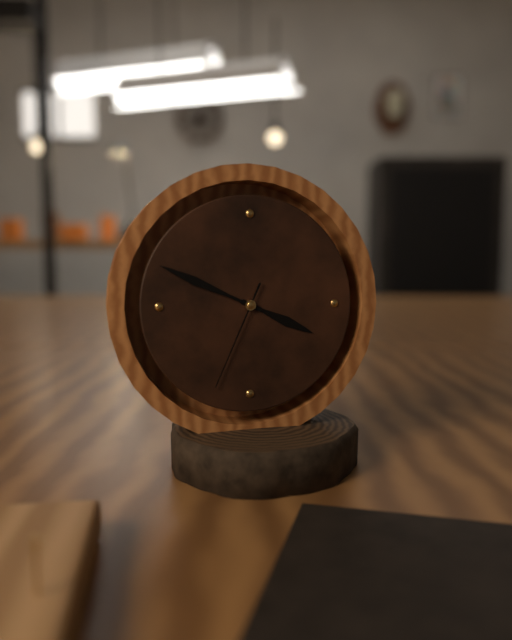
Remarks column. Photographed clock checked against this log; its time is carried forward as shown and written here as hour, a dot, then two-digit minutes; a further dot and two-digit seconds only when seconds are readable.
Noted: 3.49.34
